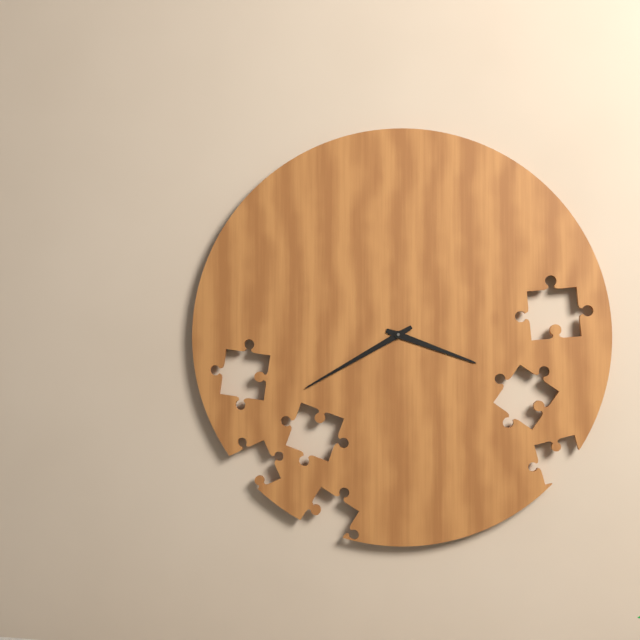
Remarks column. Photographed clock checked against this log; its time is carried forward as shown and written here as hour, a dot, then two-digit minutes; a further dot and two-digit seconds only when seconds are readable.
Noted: 3.40
